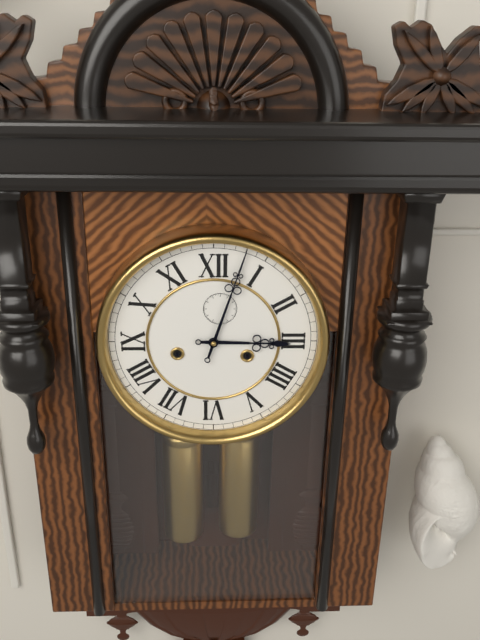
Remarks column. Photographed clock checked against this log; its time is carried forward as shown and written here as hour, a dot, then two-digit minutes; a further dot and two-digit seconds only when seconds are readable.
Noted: 3.03
